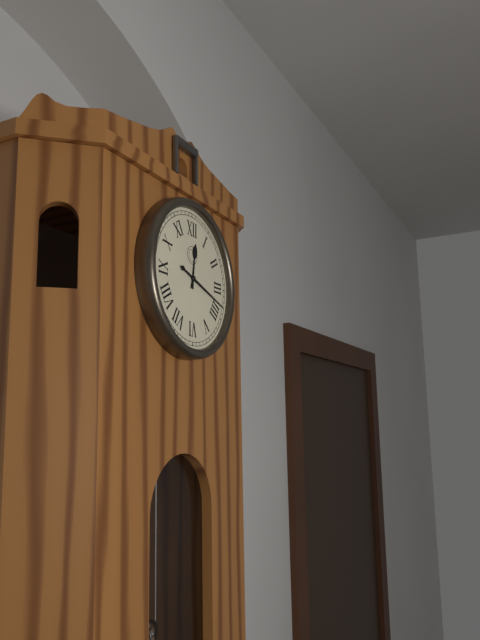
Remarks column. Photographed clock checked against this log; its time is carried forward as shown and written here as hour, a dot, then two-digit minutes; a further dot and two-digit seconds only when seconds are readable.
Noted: 12.18
